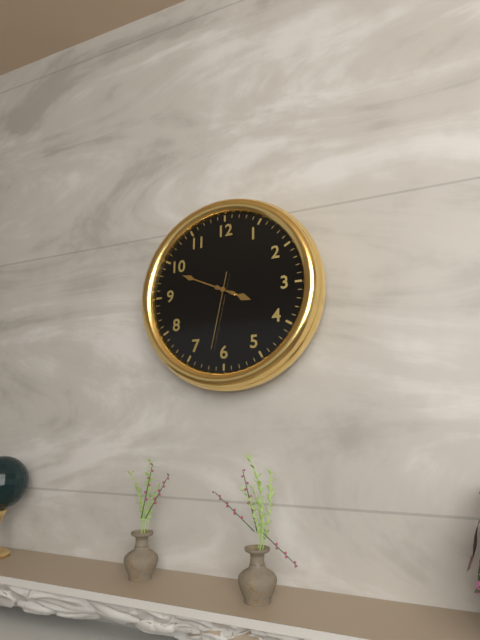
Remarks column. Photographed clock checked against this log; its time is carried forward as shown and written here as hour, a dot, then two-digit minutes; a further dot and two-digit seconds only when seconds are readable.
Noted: 3.49.32
